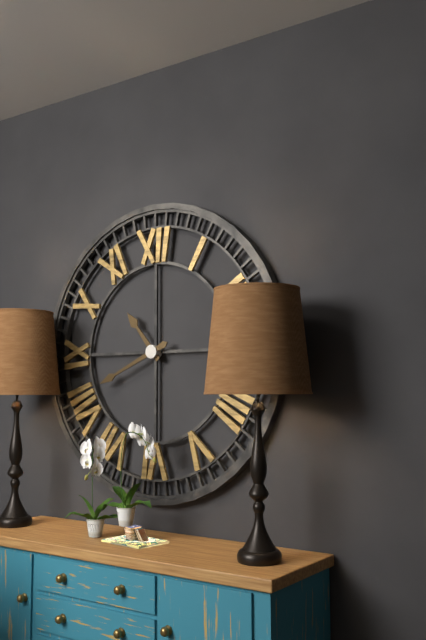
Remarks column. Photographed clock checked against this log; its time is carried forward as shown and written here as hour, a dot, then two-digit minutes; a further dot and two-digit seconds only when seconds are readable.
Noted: 10.41
